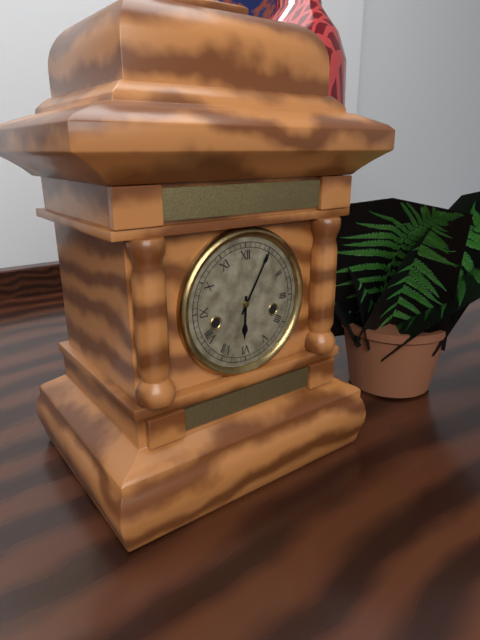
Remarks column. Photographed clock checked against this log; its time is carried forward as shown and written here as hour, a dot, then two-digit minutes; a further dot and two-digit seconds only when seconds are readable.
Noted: 6.05
